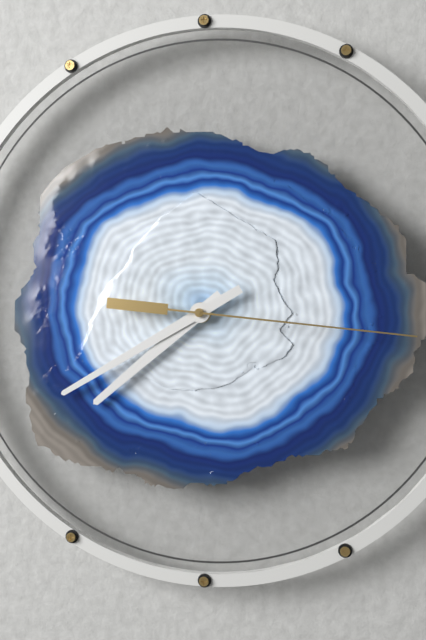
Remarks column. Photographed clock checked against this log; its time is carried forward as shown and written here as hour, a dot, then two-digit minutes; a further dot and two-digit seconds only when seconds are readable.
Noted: 7.40.16
